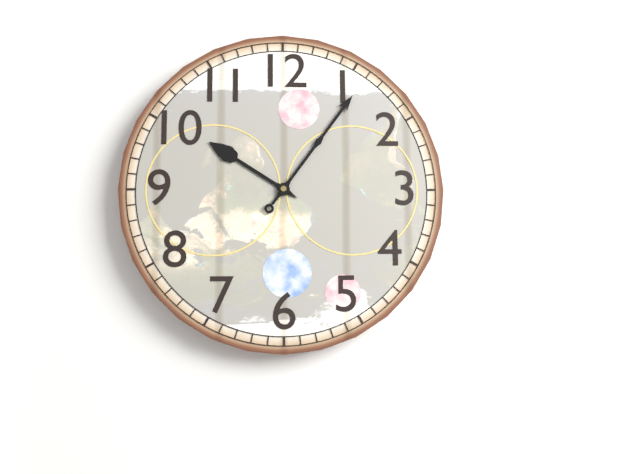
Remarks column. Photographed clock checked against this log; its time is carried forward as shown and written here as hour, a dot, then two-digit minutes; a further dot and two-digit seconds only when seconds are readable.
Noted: 10.06
